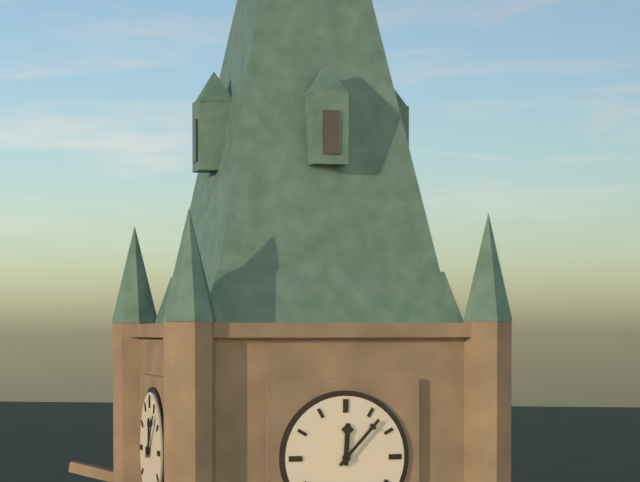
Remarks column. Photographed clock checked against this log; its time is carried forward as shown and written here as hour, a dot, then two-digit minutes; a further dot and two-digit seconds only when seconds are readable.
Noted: 12.07
